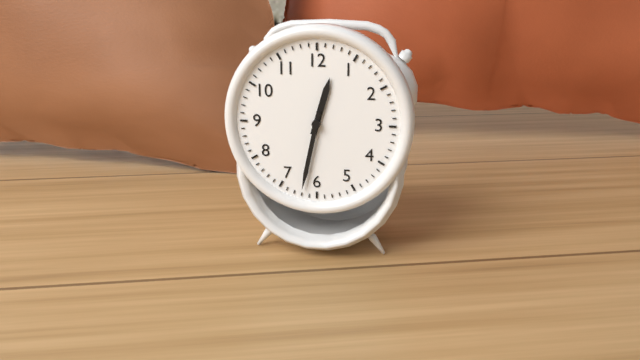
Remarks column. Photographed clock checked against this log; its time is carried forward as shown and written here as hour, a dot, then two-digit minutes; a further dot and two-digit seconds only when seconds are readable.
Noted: 12.32
